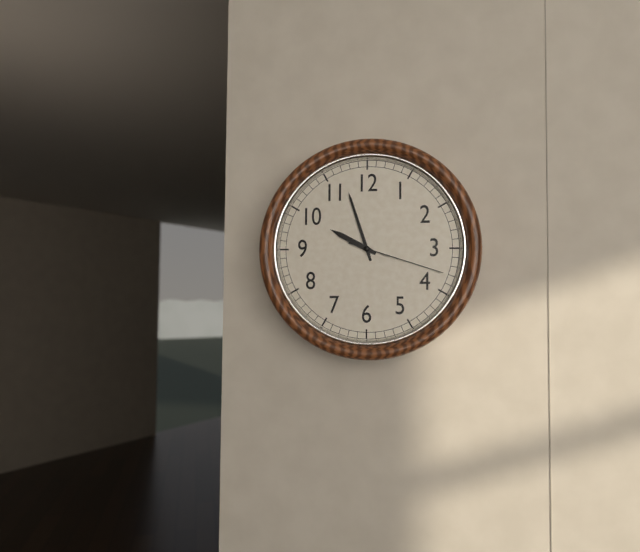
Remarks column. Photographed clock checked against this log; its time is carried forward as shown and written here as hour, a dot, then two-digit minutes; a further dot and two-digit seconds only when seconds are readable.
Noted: 9.57.18
